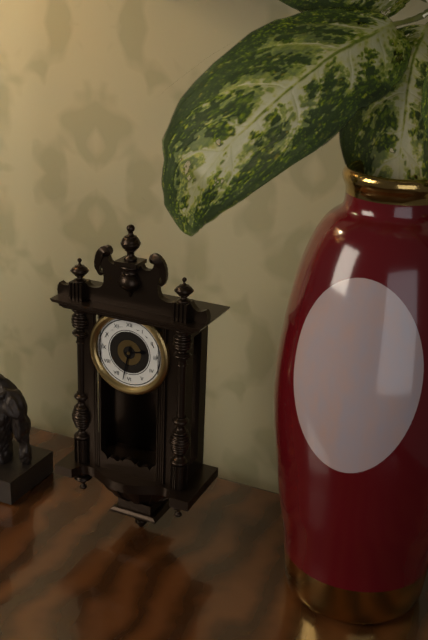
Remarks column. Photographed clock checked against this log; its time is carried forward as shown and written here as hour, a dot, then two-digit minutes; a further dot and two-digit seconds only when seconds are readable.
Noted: 2.32
